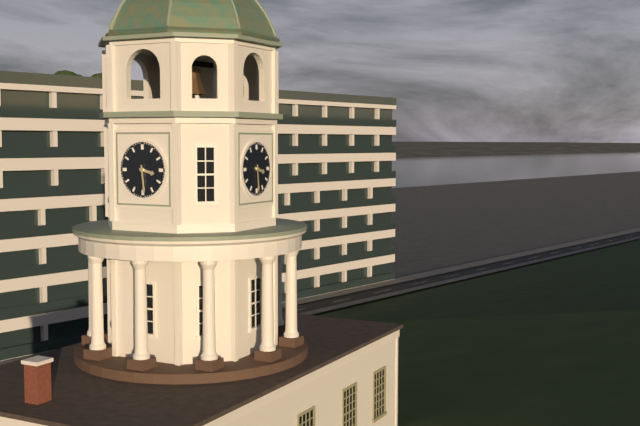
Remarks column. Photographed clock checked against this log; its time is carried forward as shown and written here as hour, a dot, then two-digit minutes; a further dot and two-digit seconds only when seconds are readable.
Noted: 3.29
